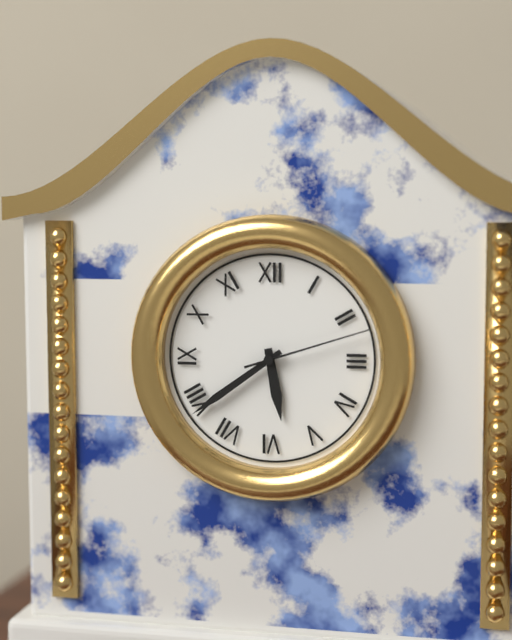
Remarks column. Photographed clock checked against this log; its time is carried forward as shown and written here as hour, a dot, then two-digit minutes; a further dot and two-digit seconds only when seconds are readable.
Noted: 5.39.12
